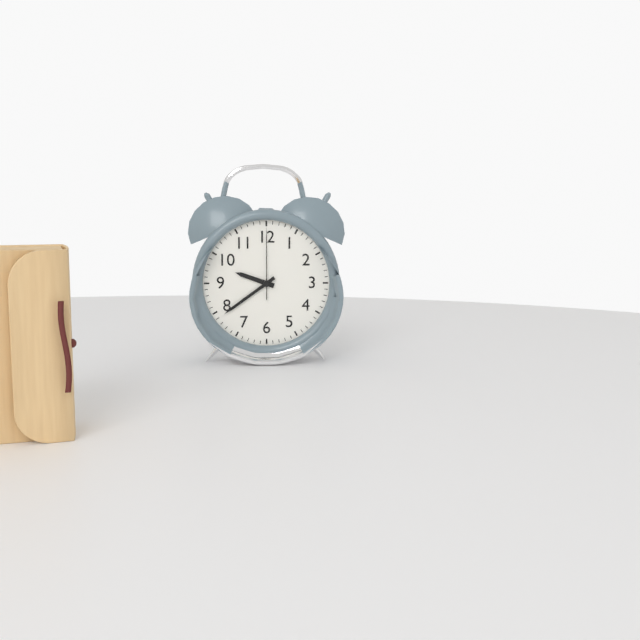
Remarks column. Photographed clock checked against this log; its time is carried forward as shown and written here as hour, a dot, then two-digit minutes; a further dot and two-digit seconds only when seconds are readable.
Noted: 9.39.00
